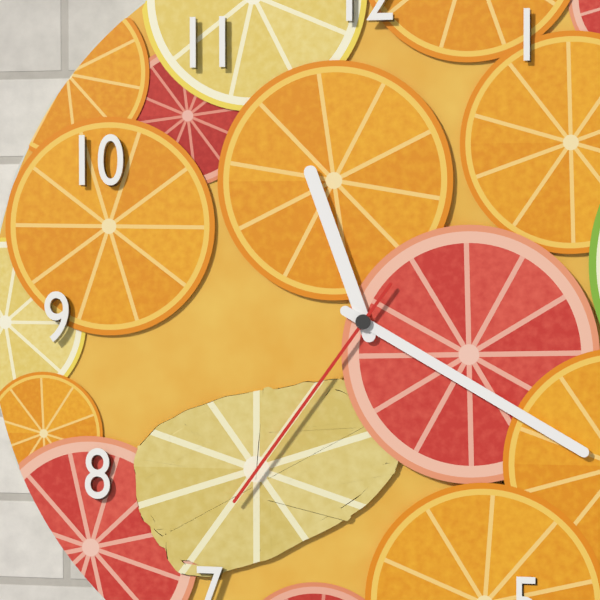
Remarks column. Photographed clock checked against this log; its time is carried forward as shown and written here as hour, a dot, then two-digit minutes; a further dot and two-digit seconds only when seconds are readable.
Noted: 11.20.36
